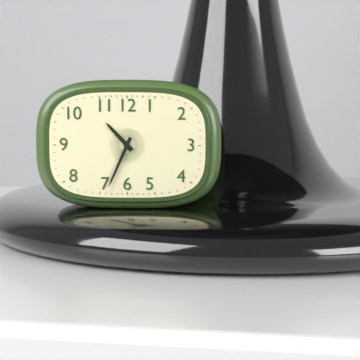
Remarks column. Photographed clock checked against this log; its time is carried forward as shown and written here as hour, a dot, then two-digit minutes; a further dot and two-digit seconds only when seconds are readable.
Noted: 10.34
